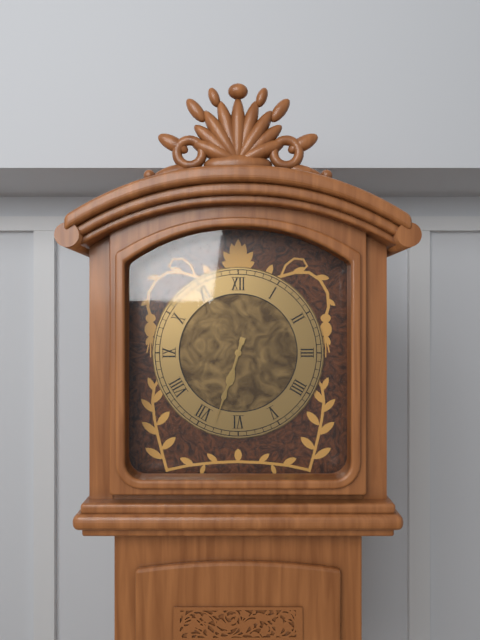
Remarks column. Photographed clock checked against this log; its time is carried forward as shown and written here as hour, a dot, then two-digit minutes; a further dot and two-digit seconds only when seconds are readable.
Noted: 6.33
